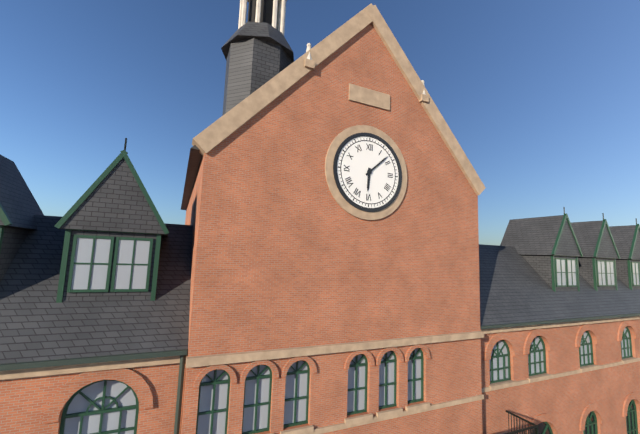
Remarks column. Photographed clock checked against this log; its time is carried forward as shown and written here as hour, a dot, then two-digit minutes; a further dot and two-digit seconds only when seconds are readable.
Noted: 6.08
